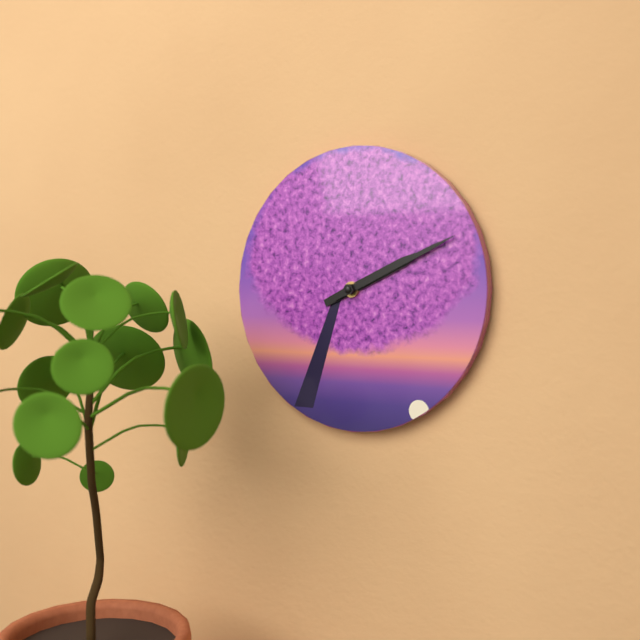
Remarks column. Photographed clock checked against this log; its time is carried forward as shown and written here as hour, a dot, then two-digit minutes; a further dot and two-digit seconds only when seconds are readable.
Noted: 2.11
